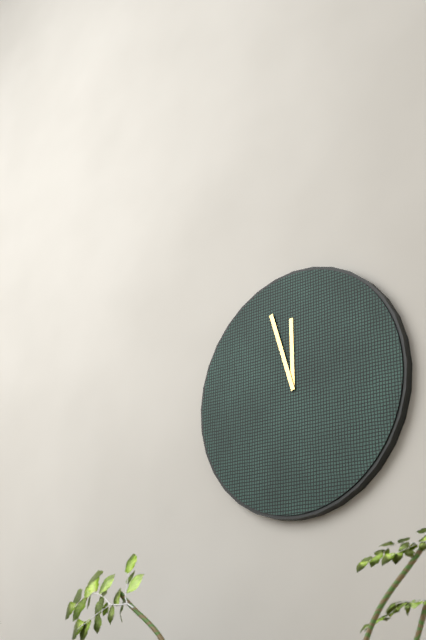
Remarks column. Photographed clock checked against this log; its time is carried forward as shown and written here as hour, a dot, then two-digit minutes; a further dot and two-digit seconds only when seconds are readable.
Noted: 11.57
